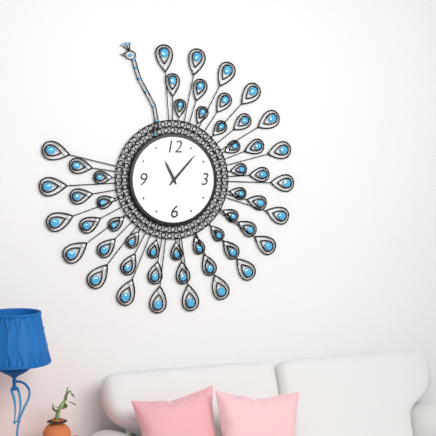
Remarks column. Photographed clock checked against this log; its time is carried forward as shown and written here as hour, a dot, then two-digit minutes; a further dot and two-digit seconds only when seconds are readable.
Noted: 11.07
